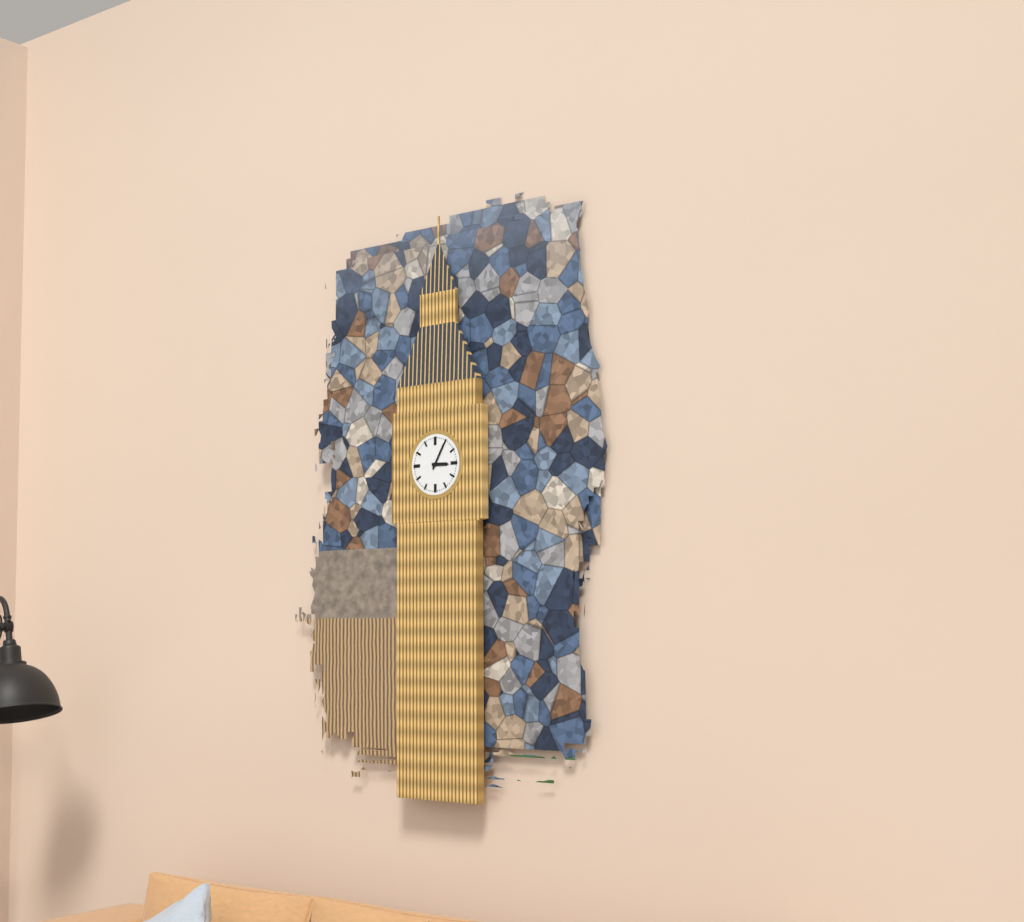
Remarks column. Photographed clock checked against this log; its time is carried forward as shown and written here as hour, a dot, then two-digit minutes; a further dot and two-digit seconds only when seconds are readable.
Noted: 3.05
